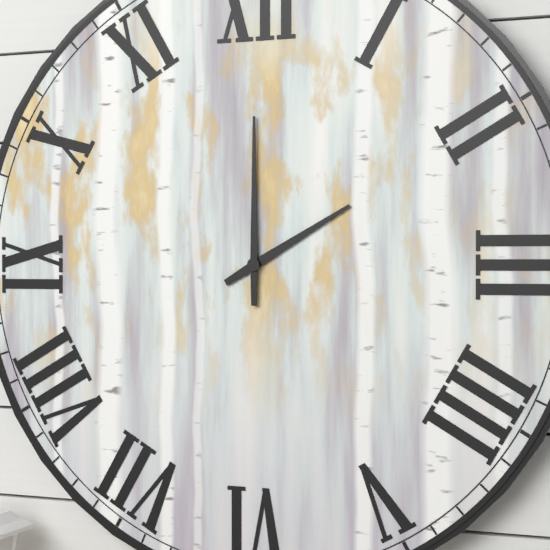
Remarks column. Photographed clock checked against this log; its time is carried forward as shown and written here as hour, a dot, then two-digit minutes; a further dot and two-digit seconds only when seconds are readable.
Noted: 2.00
